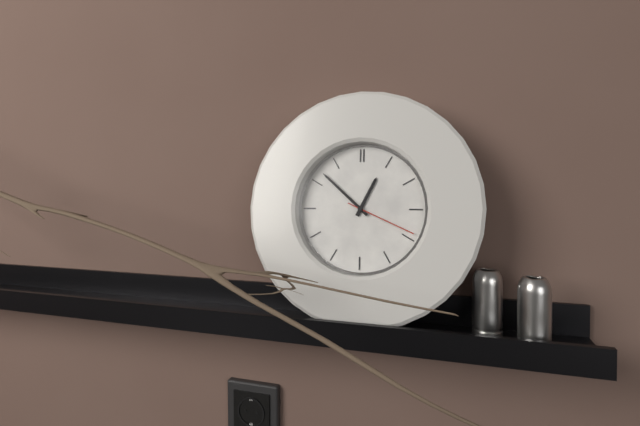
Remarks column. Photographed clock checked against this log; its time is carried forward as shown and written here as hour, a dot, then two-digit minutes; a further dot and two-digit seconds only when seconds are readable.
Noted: 12.52.19
